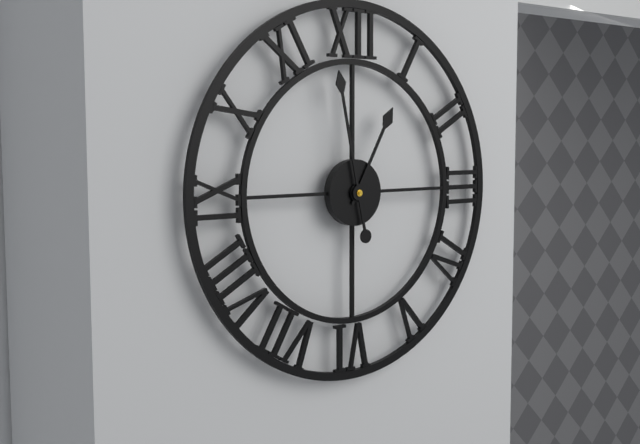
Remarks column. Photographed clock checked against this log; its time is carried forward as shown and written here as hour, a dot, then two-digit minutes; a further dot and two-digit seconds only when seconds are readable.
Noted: 12.58
